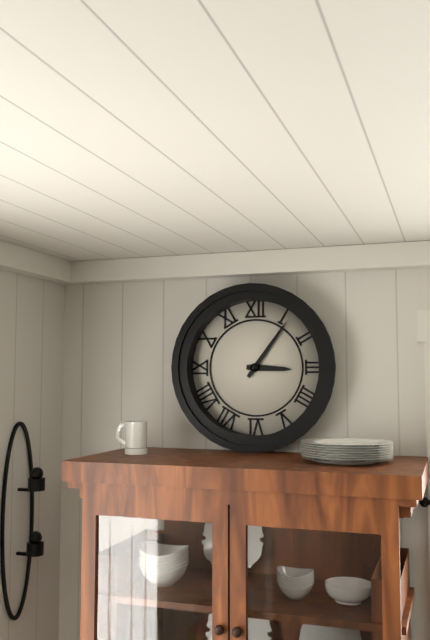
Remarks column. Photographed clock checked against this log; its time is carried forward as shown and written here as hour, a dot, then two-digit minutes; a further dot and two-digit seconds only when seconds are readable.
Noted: 3.06
